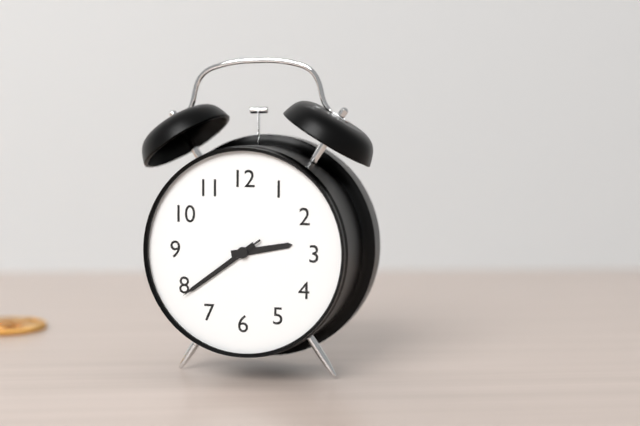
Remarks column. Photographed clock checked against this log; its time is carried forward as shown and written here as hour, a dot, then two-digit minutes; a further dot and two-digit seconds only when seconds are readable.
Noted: 2.39.39
